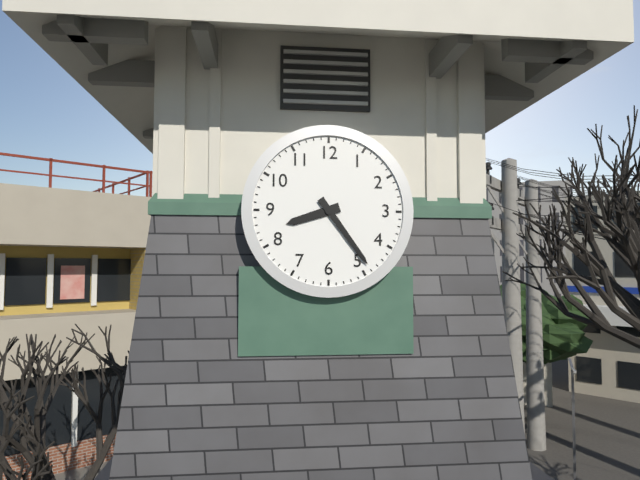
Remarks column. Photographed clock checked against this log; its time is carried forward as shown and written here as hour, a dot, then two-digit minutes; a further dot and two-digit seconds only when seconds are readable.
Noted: 8.24
